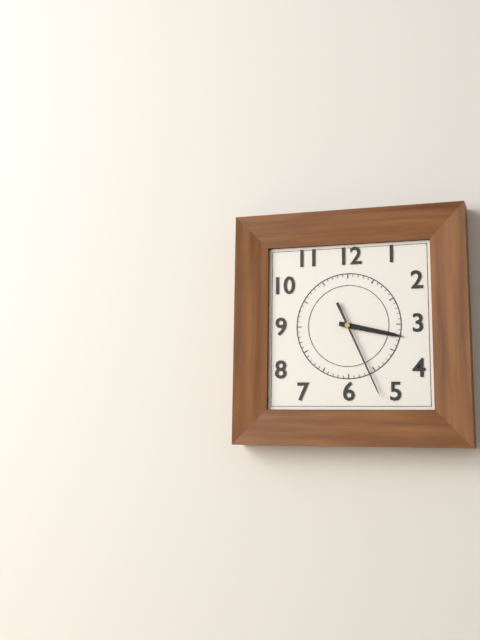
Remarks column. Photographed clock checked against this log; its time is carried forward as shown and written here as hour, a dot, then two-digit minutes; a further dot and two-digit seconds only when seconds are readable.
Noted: 3.26
